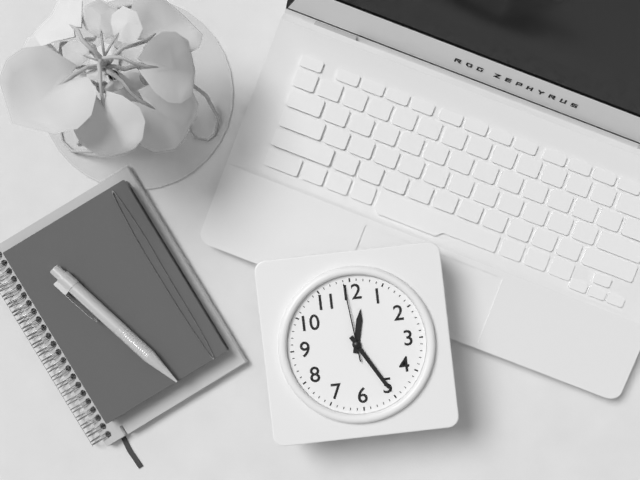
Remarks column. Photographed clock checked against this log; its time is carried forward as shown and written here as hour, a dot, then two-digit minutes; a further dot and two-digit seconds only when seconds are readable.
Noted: 12.25.59
